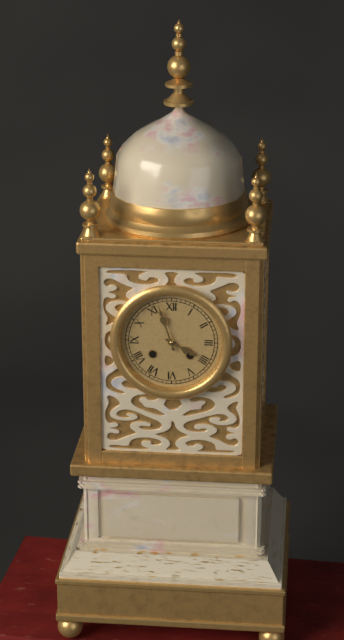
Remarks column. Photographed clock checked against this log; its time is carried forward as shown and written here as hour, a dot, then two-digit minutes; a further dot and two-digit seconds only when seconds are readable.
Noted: 3.57
